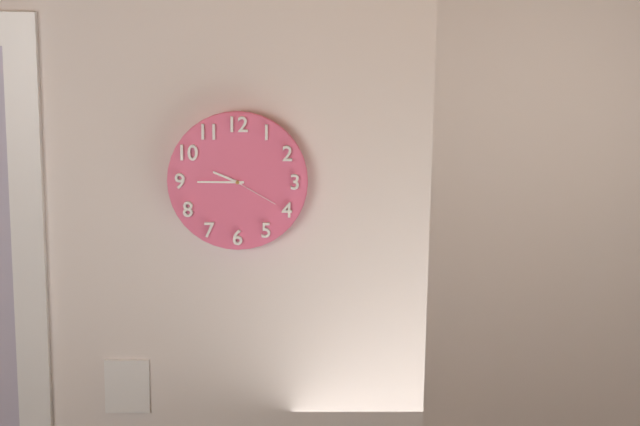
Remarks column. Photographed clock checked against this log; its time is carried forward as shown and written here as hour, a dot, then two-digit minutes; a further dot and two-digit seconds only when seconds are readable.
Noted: 9.45.20
